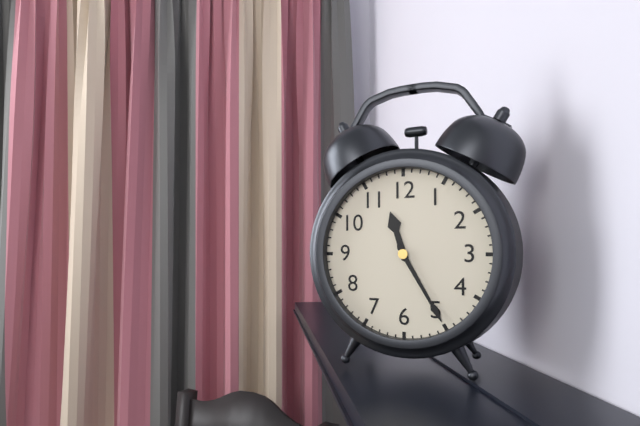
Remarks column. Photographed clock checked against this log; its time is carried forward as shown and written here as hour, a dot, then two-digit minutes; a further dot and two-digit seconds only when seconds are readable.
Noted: 11.25
